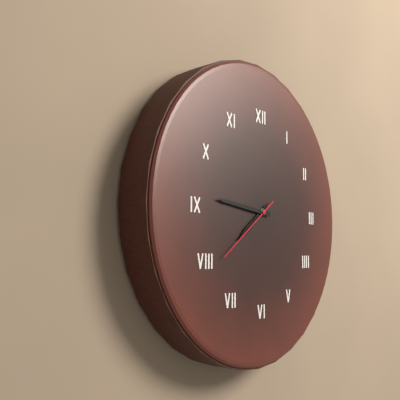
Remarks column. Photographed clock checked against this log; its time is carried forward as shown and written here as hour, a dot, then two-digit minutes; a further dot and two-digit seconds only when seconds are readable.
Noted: 7.46.39
